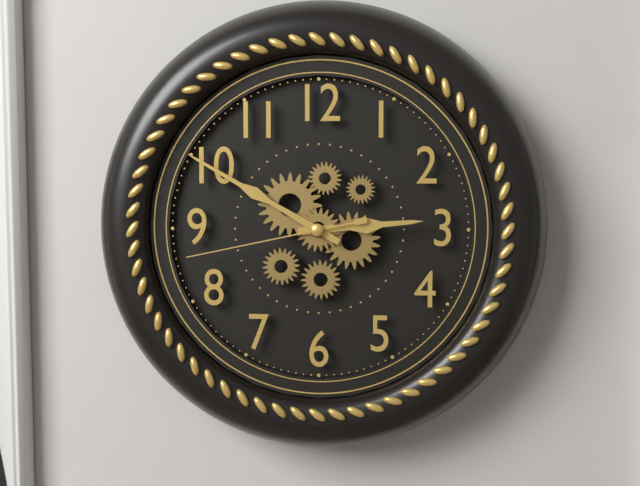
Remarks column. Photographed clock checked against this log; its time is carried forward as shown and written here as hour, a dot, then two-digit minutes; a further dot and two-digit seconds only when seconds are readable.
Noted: 2.50.43
